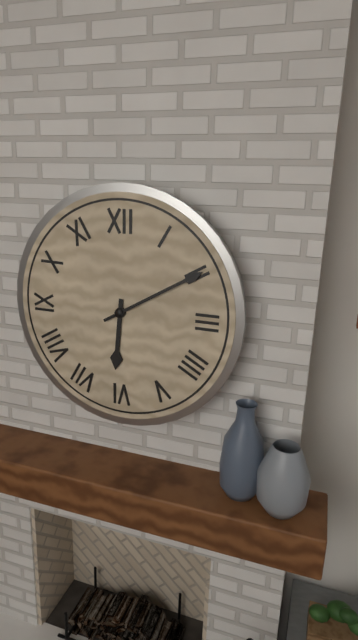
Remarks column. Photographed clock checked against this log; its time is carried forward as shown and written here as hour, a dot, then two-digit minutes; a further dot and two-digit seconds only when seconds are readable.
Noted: 6.10
